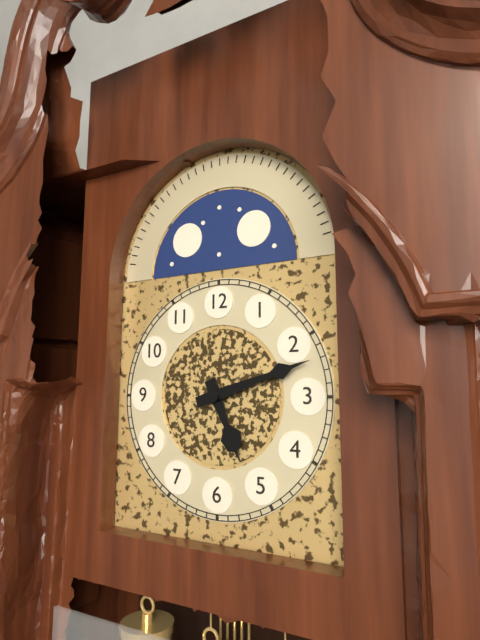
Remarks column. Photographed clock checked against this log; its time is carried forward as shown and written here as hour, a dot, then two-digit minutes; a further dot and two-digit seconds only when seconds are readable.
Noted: 5.12
